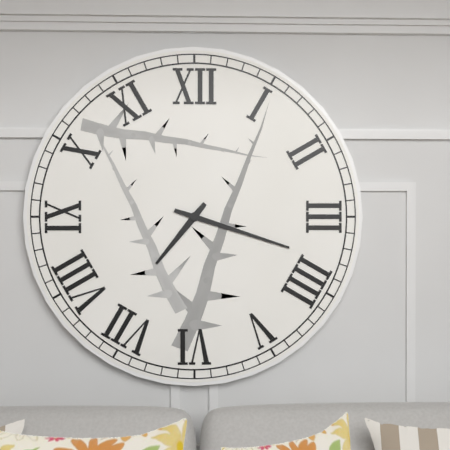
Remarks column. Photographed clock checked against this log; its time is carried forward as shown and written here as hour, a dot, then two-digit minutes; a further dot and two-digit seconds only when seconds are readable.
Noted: 7.18
